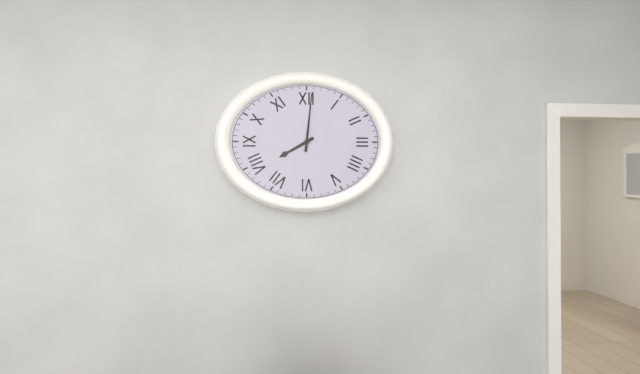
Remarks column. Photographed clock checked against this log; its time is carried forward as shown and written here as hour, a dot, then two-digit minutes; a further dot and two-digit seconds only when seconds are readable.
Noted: 8.01
